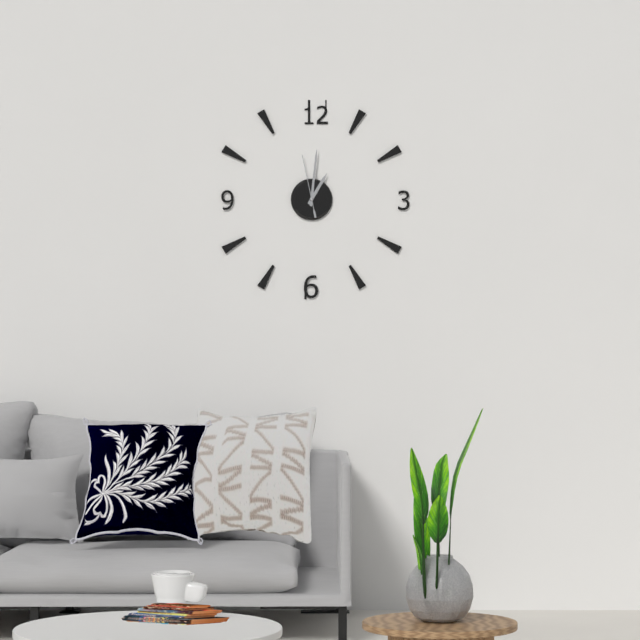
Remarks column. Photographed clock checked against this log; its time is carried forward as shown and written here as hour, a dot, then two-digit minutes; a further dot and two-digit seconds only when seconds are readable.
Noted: 1.01.58
